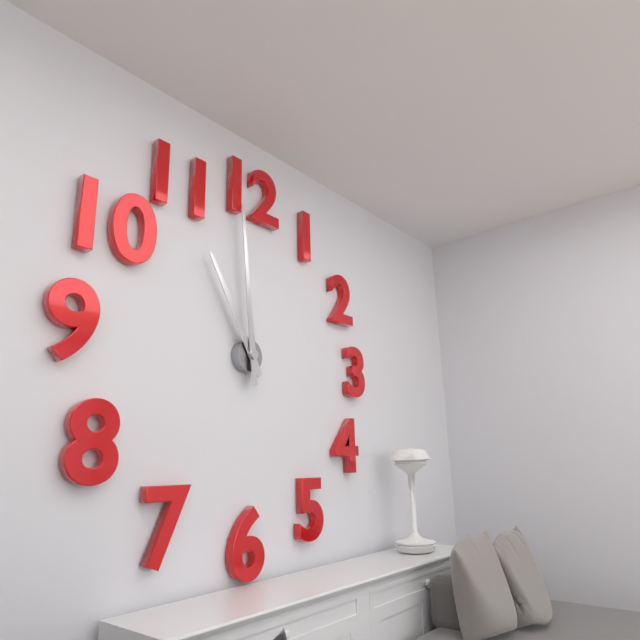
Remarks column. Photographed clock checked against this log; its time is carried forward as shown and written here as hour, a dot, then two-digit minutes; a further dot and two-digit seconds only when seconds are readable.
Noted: 10.59
